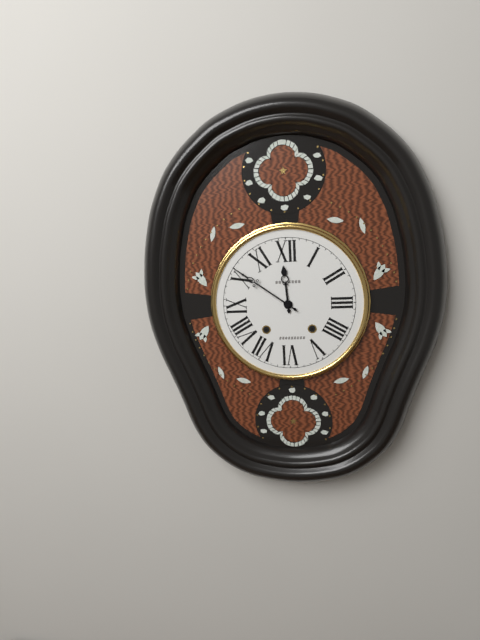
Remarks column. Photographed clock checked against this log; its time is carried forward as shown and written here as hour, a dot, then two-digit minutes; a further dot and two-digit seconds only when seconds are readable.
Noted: 11.51
